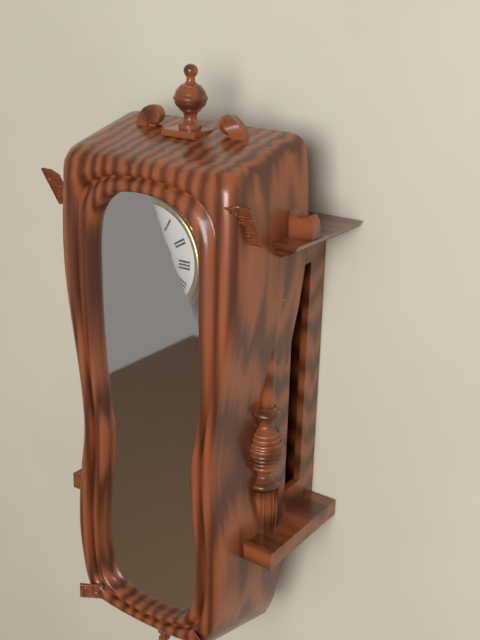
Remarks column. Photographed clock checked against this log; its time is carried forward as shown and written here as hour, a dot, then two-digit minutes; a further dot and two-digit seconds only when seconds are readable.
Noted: 5.22
